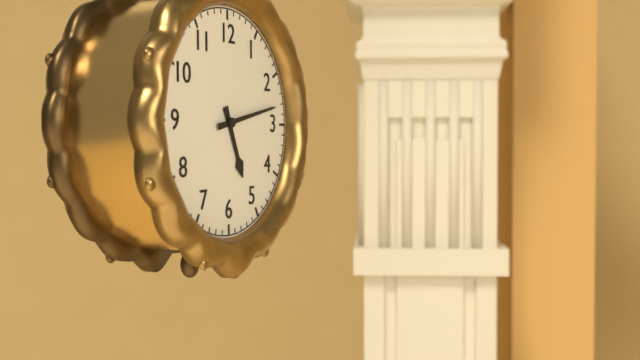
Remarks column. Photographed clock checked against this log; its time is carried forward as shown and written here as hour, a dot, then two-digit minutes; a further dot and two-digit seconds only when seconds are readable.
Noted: 5.13
